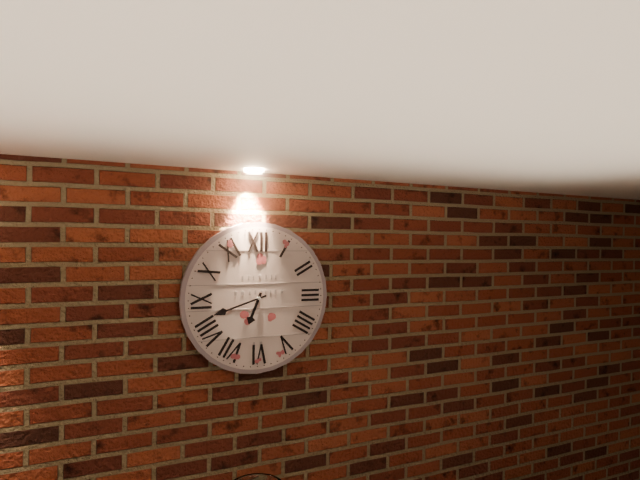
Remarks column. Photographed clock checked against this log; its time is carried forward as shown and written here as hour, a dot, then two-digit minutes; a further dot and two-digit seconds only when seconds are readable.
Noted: 6.42
